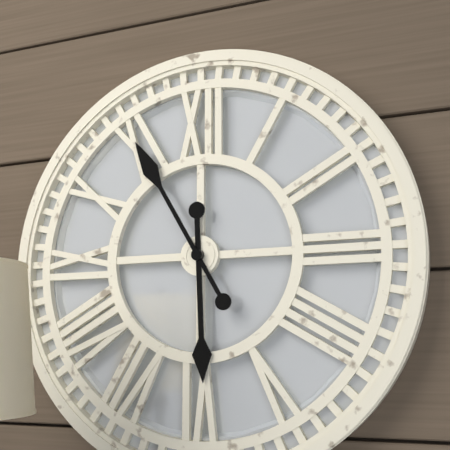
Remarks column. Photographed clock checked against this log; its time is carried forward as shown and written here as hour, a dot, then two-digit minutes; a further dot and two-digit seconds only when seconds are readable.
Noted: 5.55
